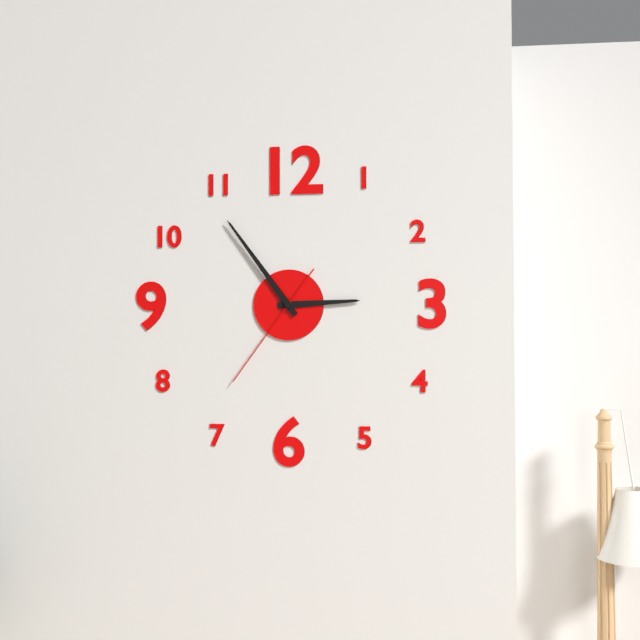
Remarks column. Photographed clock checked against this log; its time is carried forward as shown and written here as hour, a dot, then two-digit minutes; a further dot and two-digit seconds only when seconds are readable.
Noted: 2.54.36
